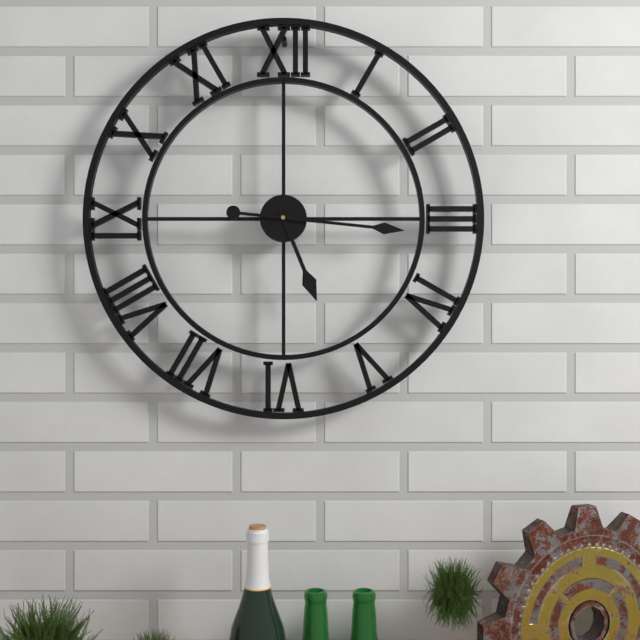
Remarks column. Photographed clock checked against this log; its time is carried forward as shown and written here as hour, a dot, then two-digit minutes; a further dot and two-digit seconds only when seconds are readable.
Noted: 5.16
